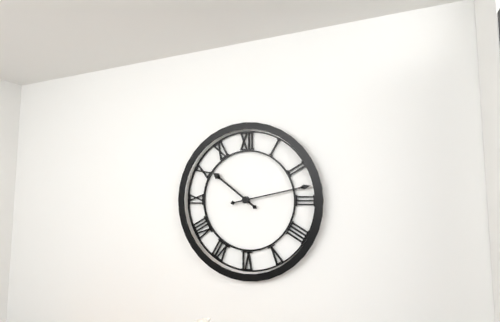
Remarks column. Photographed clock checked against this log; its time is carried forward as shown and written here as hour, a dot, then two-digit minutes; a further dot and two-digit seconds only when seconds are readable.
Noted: 10.13
